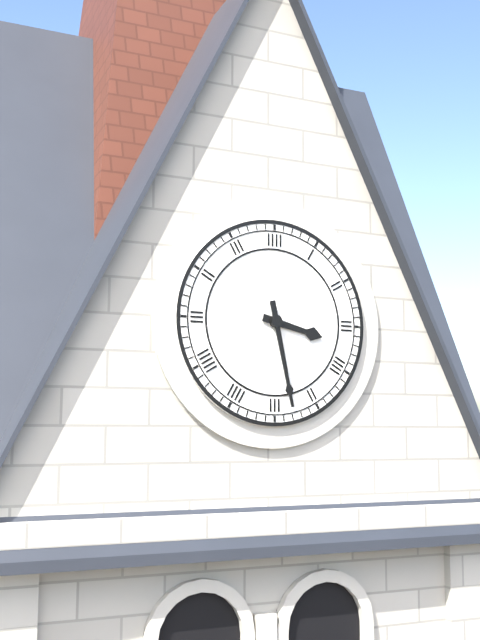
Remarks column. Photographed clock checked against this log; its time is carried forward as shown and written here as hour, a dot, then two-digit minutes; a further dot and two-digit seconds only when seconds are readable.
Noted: 3.28
